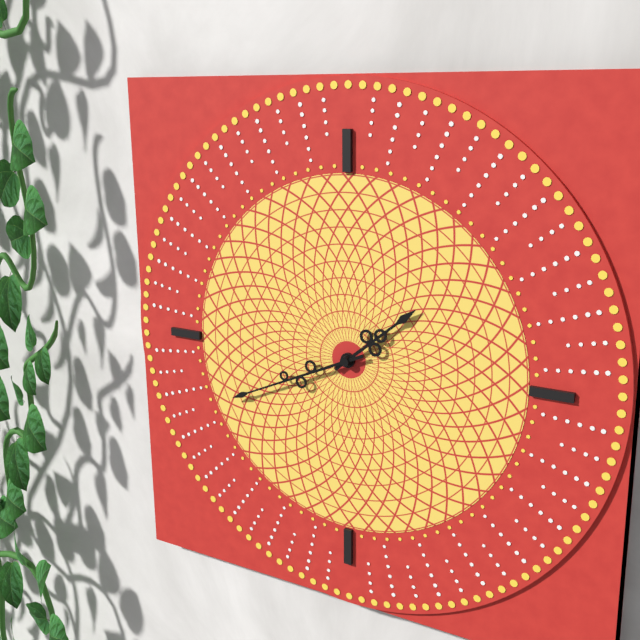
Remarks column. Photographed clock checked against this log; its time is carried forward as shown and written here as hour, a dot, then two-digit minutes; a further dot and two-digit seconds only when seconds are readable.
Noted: 1.41
